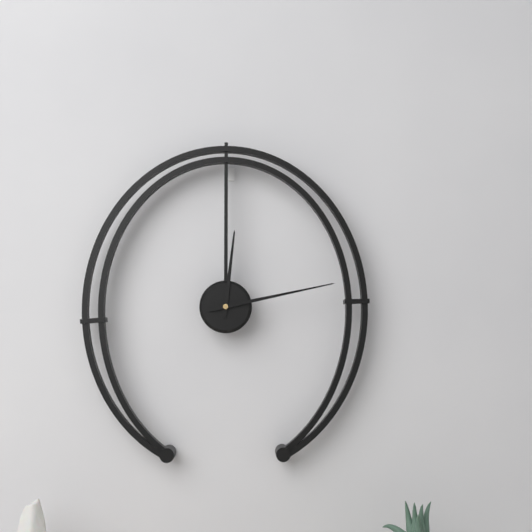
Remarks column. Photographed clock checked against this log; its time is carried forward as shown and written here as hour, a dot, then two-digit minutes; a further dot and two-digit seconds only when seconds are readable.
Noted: 12.13
